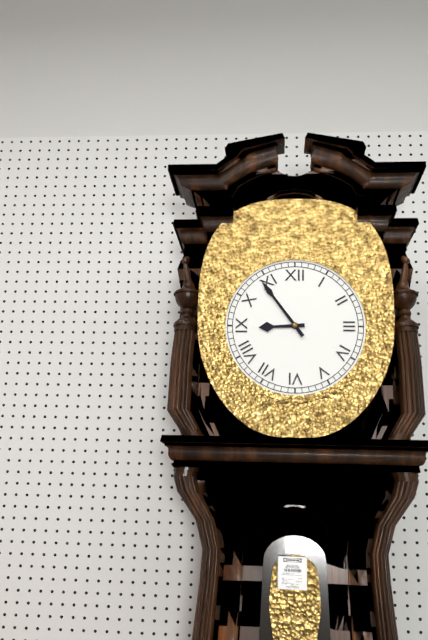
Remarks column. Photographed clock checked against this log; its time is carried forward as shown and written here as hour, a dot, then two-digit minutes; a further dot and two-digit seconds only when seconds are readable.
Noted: 8.54
